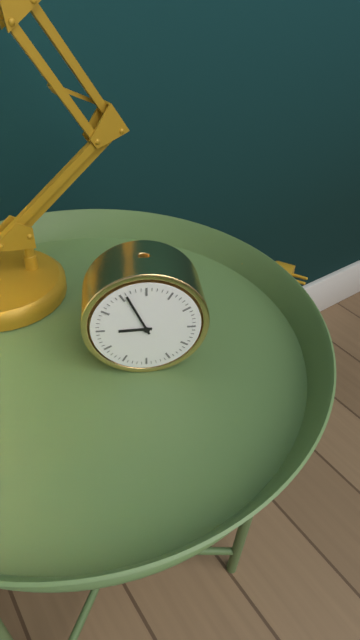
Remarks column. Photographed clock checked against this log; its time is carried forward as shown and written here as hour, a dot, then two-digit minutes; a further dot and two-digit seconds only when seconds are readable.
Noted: 8.56
